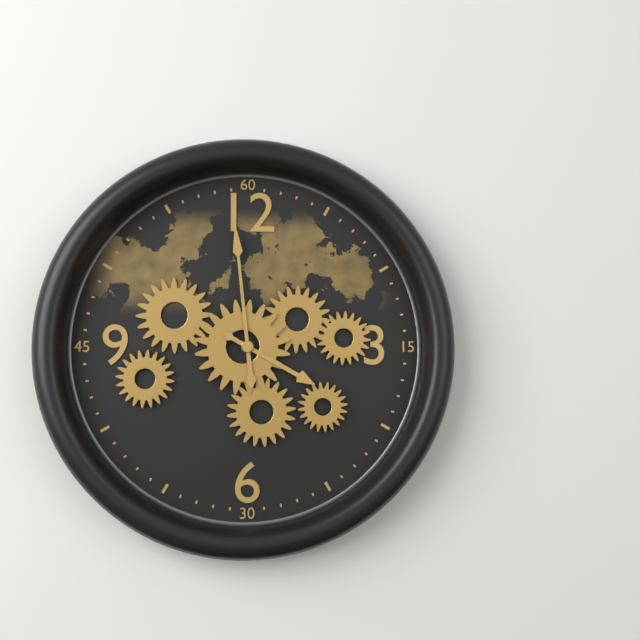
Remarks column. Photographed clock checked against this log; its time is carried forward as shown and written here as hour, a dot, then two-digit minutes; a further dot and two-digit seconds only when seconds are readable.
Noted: 3.59
